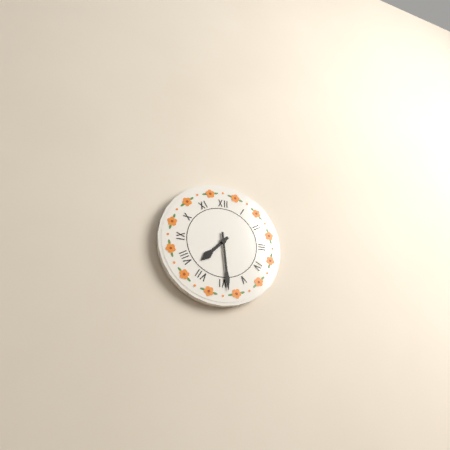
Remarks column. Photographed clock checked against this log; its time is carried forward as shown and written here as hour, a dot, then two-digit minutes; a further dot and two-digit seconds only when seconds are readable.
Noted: 7.29
